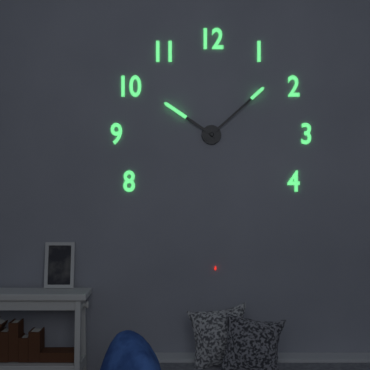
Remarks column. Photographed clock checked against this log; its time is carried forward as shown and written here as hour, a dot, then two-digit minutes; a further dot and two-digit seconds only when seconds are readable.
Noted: 10.08
